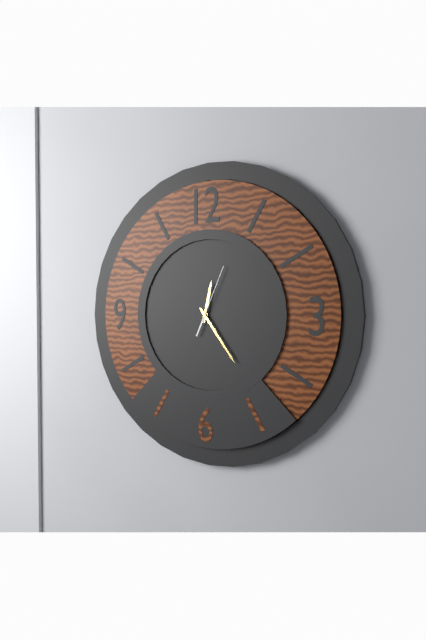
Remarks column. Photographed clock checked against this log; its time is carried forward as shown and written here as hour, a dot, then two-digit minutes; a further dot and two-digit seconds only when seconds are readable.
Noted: 12.24.04
